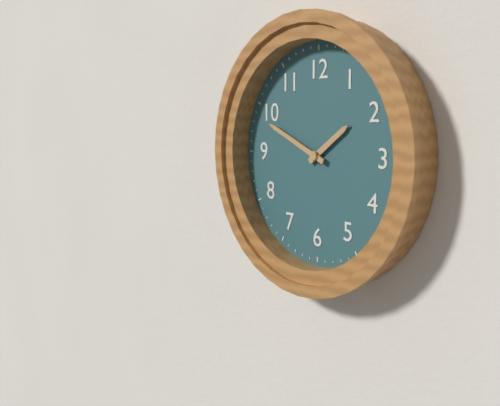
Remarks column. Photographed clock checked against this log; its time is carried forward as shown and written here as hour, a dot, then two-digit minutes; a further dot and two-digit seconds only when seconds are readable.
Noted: 1.49
